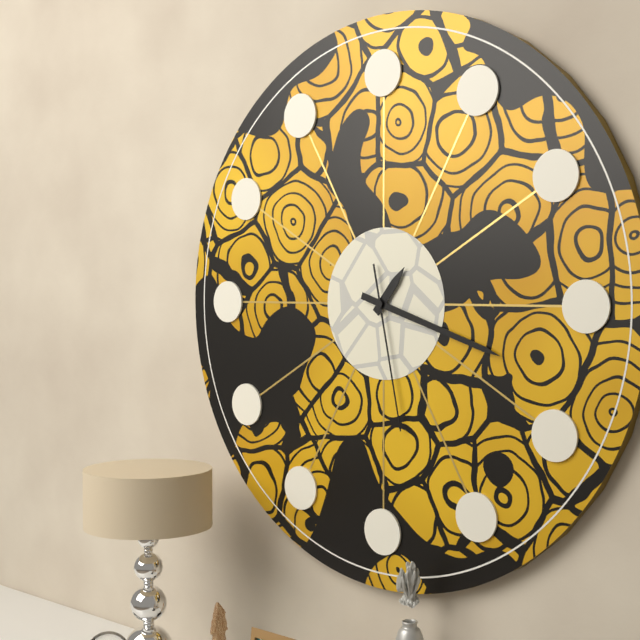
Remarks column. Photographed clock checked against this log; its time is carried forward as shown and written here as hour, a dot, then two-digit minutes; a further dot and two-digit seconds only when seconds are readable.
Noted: 1.18.28
